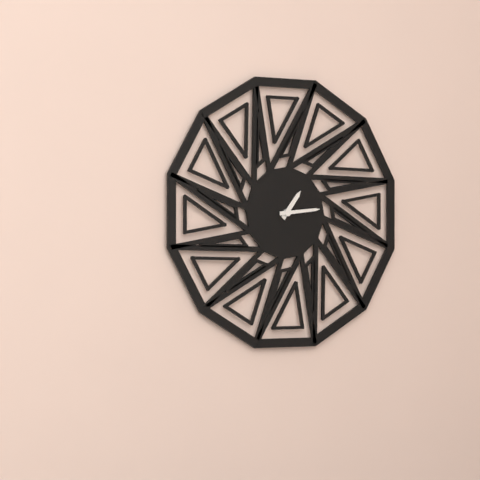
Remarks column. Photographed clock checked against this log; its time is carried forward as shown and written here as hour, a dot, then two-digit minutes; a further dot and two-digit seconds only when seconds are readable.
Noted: 1.14
